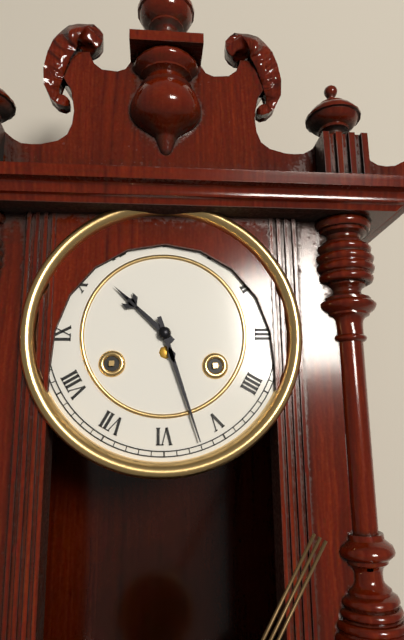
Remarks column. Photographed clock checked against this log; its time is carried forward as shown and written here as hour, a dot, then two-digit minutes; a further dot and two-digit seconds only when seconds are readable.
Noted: 10.27
